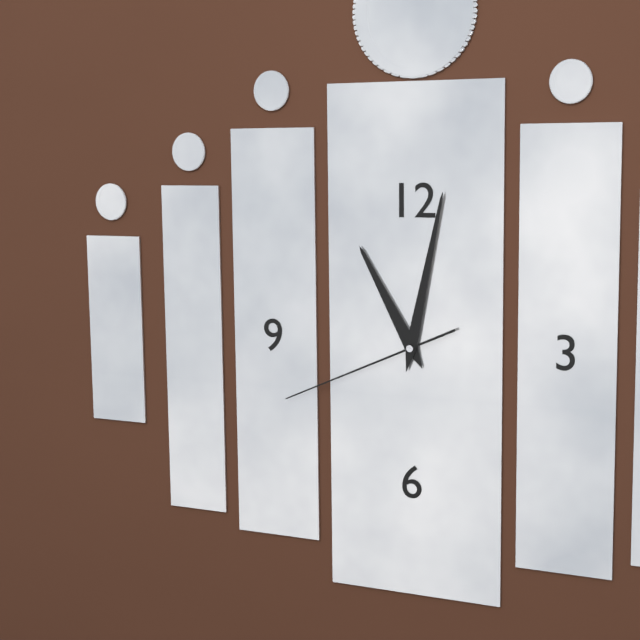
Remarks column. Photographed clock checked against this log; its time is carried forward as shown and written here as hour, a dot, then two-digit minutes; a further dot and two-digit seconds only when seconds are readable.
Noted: 11.02.41
